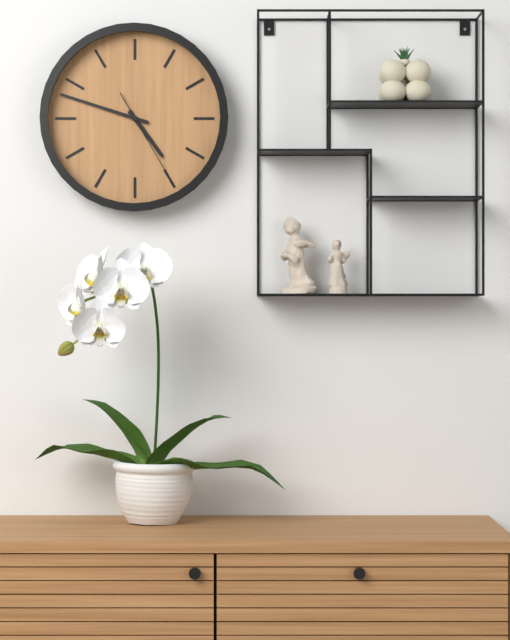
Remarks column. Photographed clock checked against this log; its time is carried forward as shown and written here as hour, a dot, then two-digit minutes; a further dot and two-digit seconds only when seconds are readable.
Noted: 4.48.25
